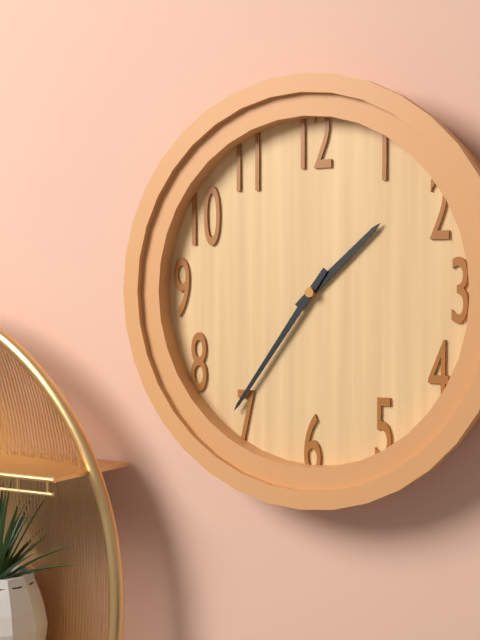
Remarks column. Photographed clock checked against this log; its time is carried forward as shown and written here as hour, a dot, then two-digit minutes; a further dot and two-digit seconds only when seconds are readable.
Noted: 1.36
